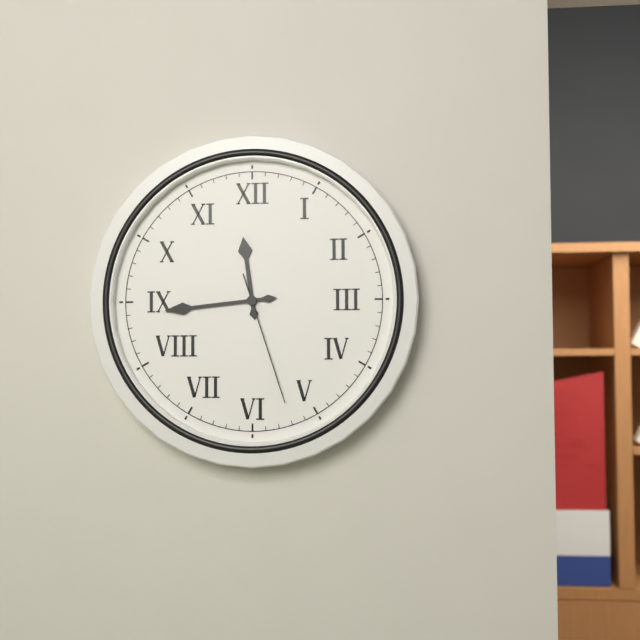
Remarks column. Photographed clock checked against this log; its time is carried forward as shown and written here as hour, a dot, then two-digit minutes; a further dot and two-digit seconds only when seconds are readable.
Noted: 11.44.27
